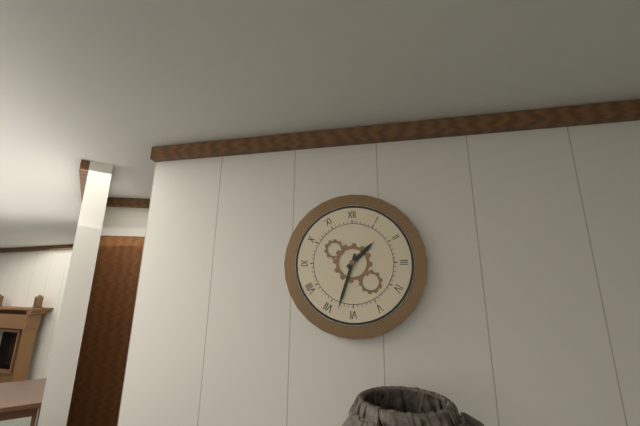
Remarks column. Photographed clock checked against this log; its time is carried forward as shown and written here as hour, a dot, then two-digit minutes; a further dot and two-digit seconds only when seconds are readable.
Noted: 1.33
